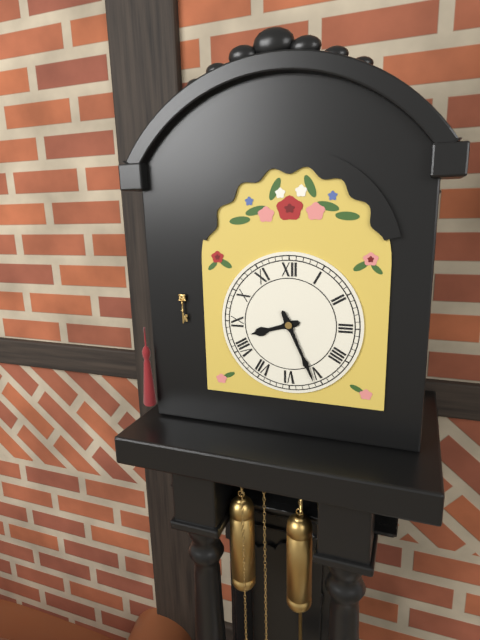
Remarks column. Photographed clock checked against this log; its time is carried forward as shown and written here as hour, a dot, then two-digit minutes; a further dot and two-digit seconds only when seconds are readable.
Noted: 8.26
